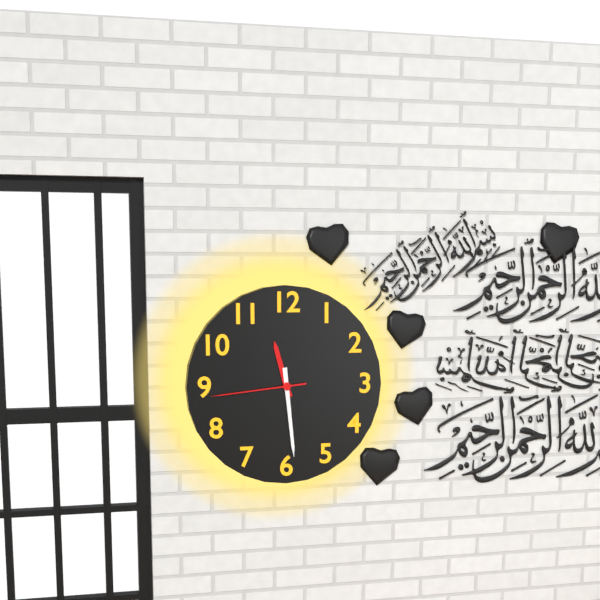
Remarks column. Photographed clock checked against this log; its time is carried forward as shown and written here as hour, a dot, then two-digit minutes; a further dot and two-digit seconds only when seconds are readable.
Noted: 11.29.44
